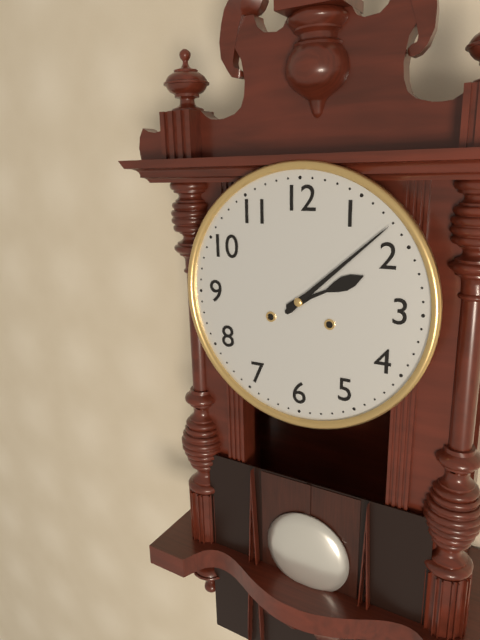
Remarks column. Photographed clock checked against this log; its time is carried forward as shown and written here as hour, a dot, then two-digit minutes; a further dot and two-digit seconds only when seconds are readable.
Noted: 2.08
